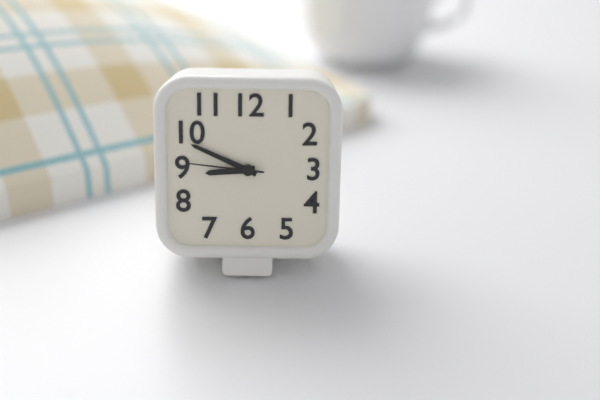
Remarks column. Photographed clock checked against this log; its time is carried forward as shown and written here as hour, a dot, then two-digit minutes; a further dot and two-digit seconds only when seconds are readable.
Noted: 8.49.46
